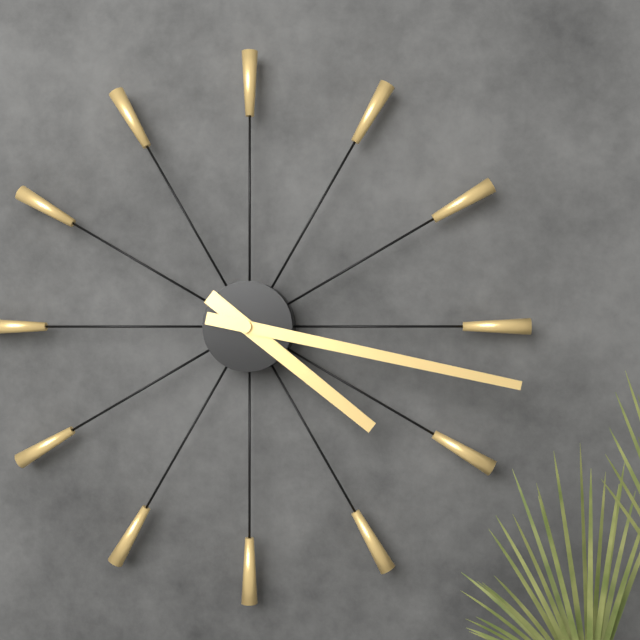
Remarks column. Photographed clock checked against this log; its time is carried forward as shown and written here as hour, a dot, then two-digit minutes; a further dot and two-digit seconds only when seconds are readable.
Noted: 4.17
